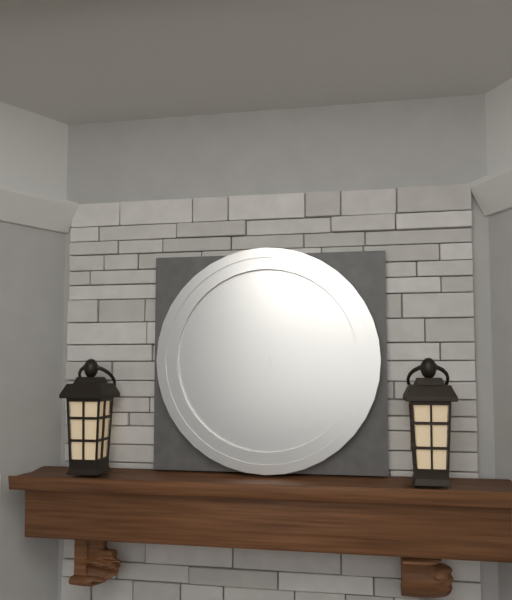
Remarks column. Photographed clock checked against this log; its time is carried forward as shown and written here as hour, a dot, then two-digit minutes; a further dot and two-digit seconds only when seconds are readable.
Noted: 8.25
